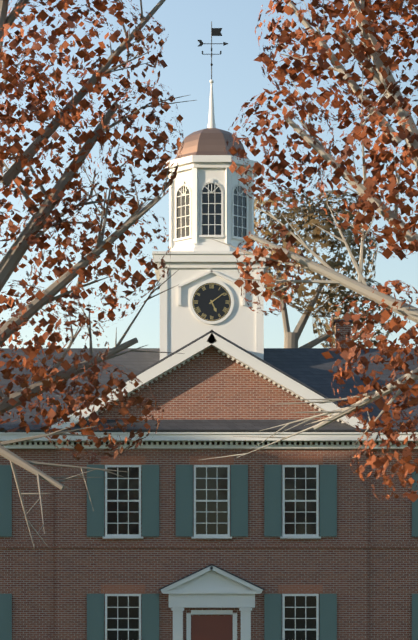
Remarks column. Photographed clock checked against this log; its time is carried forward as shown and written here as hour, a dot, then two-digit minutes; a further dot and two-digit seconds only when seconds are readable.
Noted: 5.09
